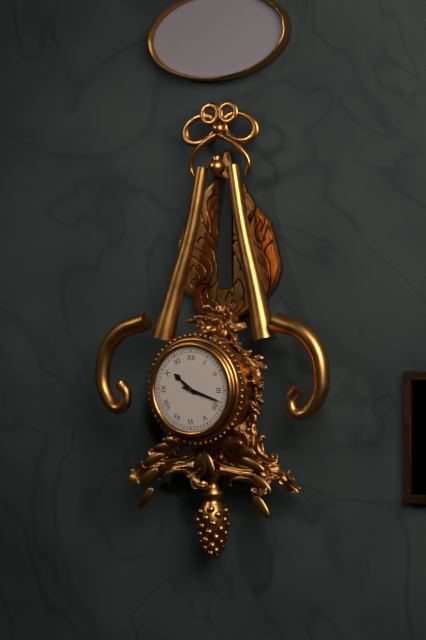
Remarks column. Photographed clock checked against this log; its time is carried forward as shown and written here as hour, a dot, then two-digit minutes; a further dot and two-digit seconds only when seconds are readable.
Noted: 10.18
